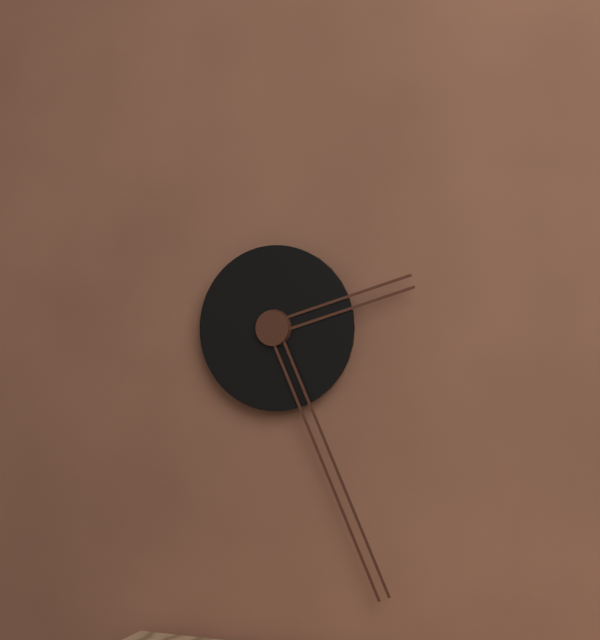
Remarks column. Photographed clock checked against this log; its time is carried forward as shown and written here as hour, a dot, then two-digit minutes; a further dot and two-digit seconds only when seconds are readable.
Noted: 2.26
